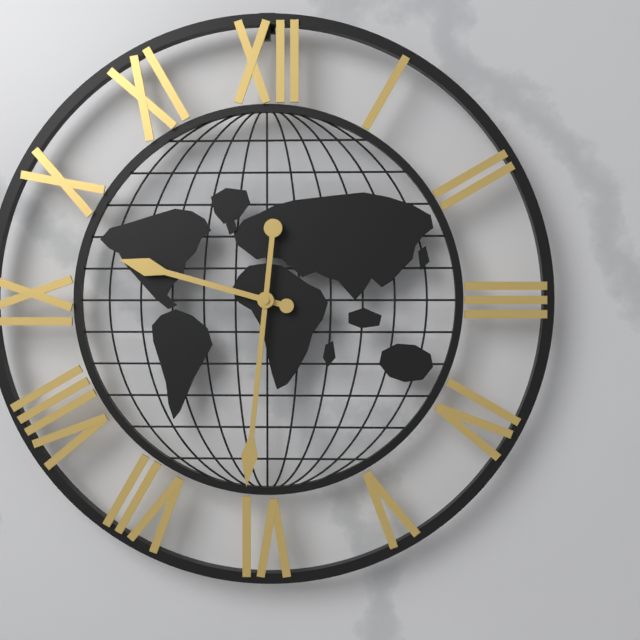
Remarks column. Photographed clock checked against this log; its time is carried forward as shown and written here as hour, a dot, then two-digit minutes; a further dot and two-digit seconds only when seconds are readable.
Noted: 9.31
